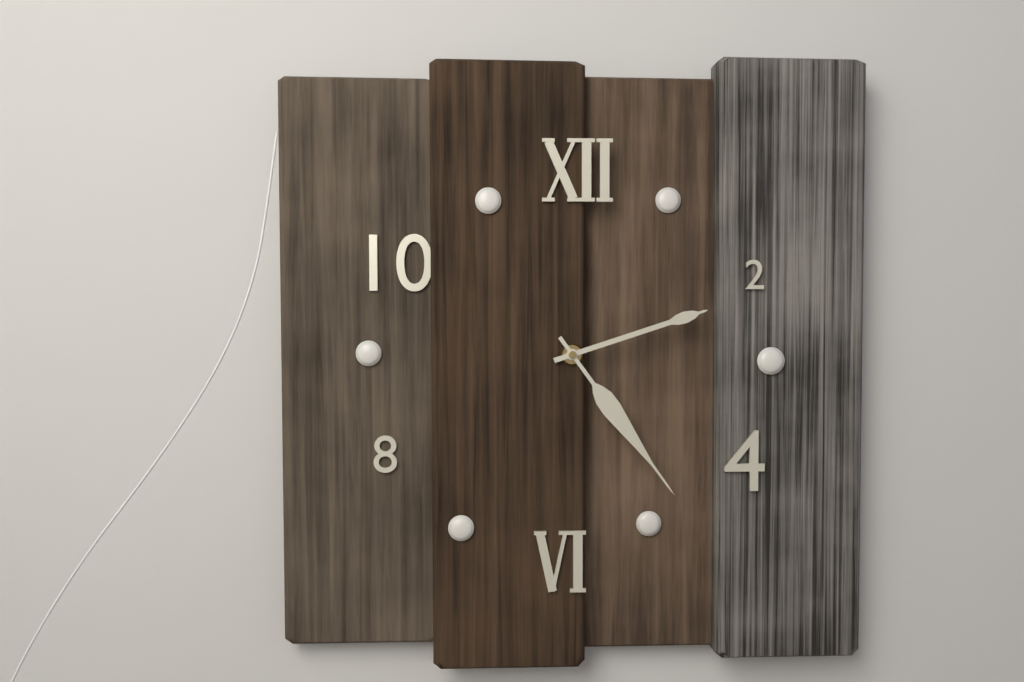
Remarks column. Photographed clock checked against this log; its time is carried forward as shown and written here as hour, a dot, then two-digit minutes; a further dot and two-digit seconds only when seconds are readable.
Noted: 2.24
